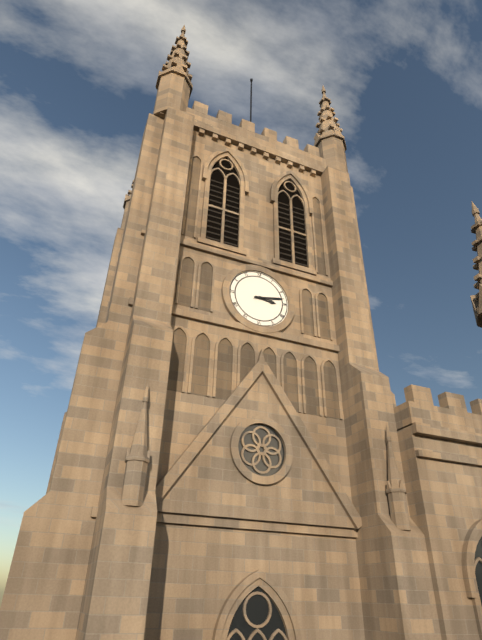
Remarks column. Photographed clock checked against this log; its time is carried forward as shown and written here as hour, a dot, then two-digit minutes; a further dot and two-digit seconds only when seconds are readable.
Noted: 3.13
